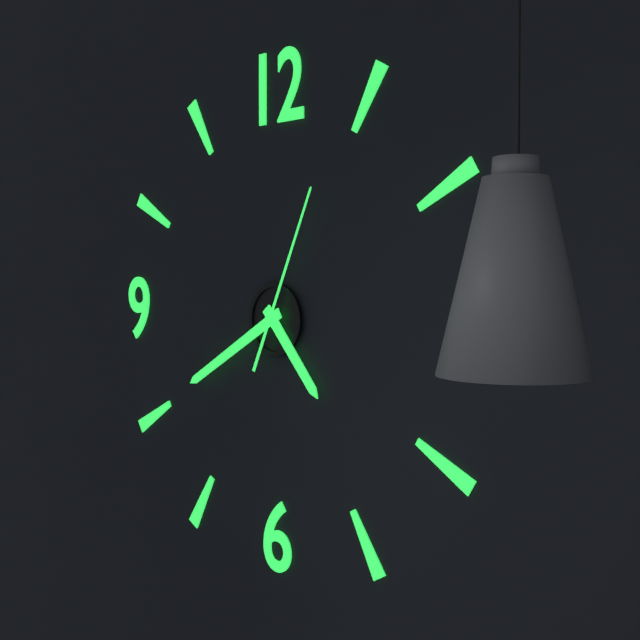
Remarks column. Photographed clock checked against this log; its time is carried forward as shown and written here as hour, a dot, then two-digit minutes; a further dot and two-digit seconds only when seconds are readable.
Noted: 4.40.04
